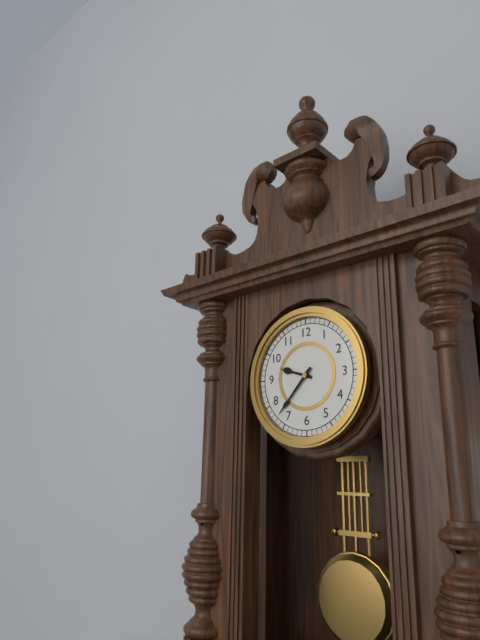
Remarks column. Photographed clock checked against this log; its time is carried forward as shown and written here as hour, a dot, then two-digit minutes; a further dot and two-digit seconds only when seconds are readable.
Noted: 9.37
